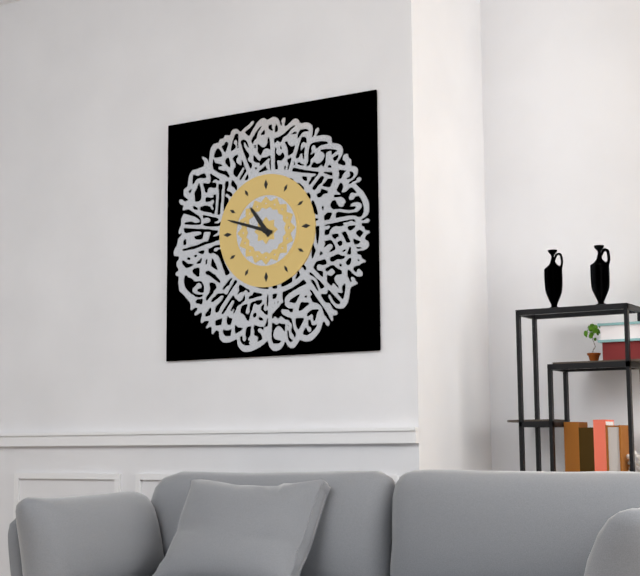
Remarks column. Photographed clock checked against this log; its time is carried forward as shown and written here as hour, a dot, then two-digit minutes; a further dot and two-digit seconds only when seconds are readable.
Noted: 10.48
